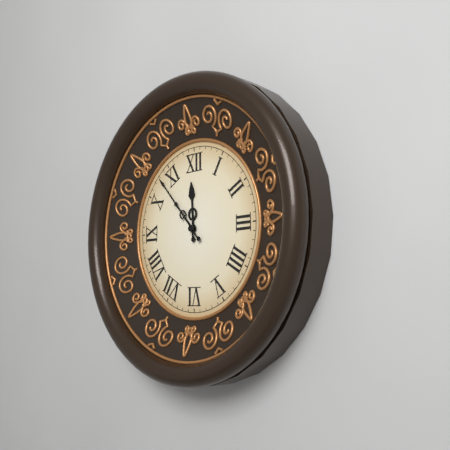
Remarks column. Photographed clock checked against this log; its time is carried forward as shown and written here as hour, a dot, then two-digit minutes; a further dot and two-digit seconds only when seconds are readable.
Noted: 11.53
